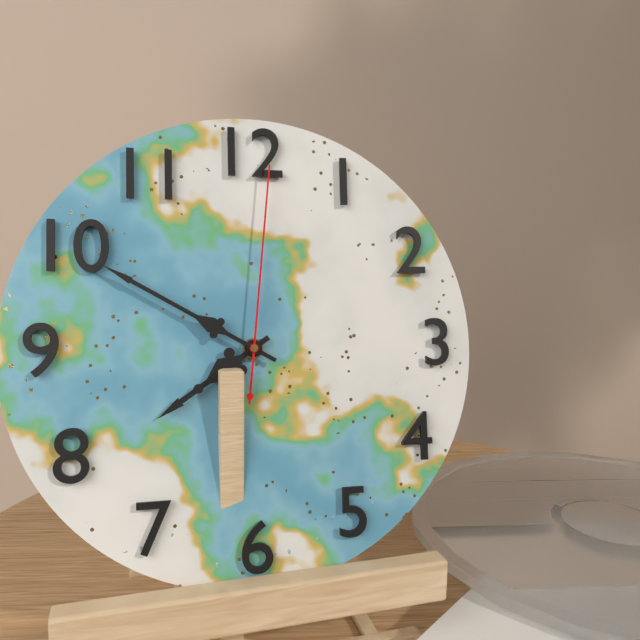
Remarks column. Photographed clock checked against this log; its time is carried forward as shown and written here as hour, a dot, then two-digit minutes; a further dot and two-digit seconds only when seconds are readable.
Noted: 7.50.01
